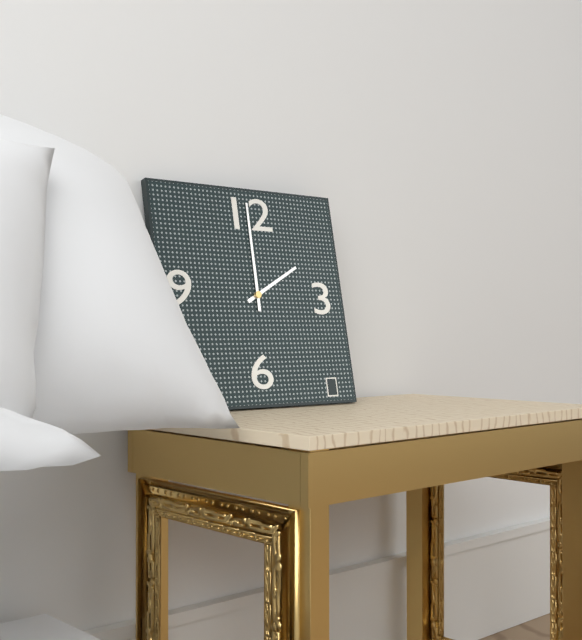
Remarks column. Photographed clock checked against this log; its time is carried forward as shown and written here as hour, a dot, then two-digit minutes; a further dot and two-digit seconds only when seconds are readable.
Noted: 2.00
